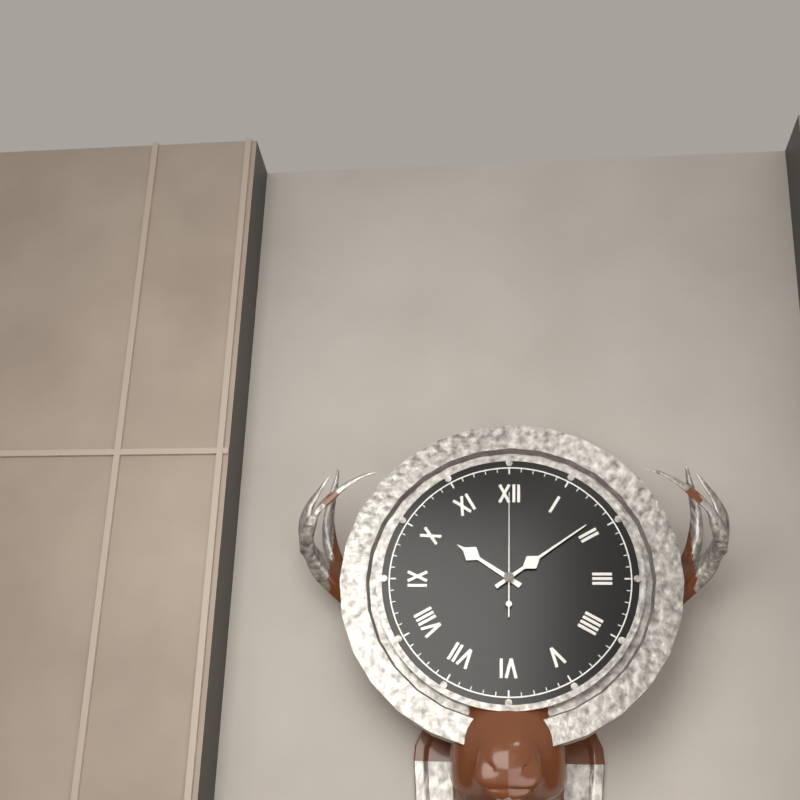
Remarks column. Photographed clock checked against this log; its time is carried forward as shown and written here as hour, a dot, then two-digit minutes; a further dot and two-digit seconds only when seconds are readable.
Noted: 10.09.00
